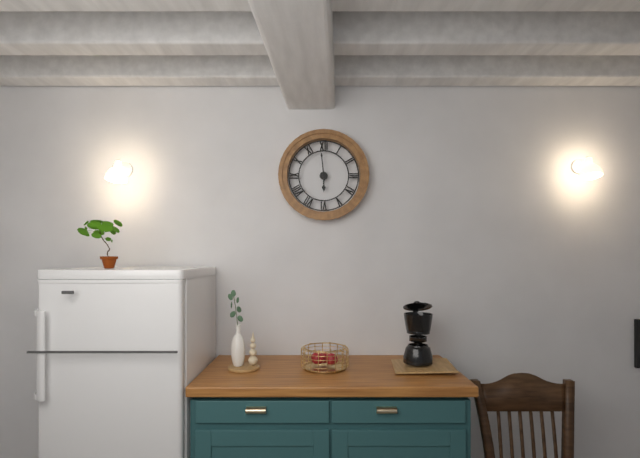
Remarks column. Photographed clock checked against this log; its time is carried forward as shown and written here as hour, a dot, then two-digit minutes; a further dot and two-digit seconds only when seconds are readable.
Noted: 5.59
